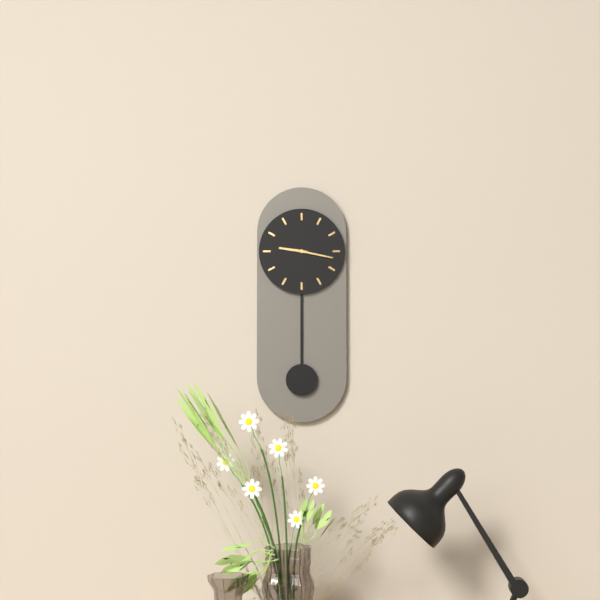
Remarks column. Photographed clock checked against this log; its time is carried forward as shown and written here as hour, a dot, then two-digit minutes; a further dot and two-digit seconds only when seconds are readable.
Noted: 9.17
